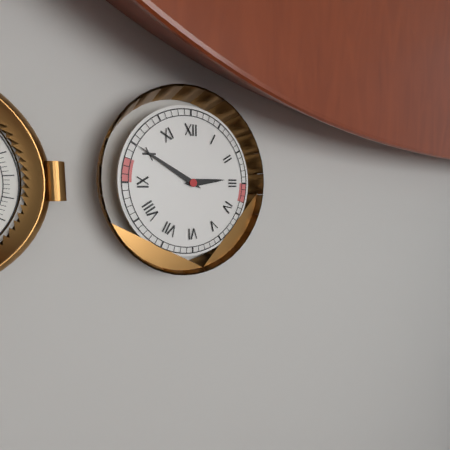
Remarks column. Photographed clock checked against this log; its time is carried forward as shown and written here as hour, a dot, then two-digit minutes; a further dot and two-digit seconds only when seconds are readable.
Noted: 2.50
